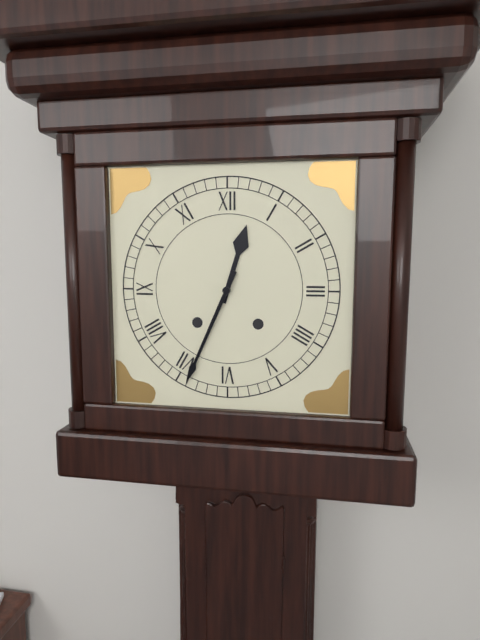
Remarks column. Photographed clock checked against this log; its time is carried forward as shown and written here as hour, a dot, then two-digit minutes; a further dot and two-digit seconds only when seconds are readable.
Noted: 12.34
